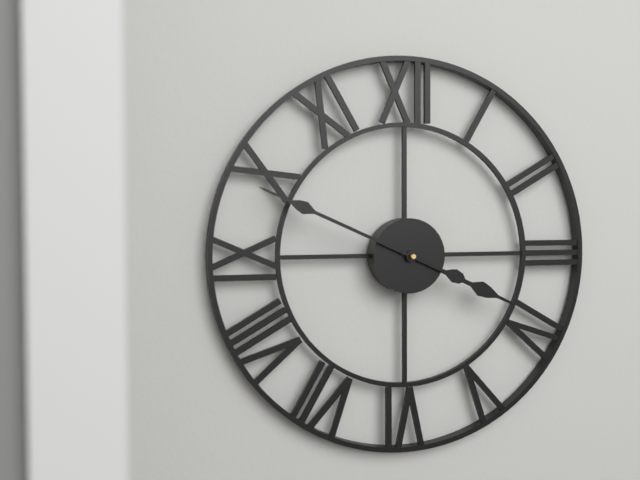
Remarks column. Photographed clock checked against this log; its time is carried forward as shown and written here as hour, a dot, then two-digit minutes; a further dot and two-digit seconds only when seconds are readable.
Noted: 3.49
